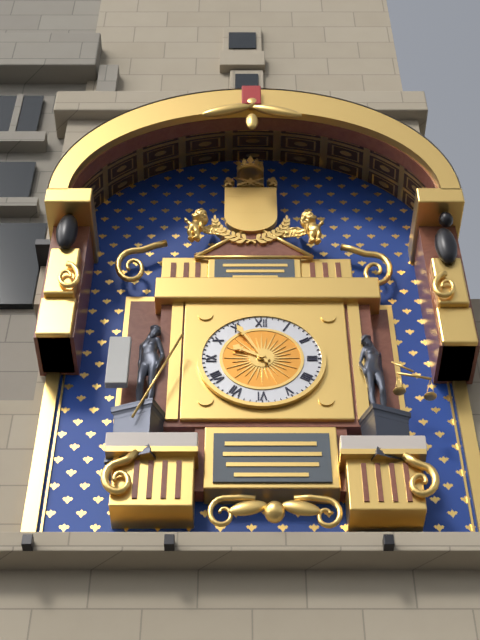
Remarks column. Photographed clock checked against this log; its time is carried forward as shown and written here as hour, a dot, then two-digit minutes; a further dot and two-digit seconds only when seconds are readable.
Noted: 9.55
